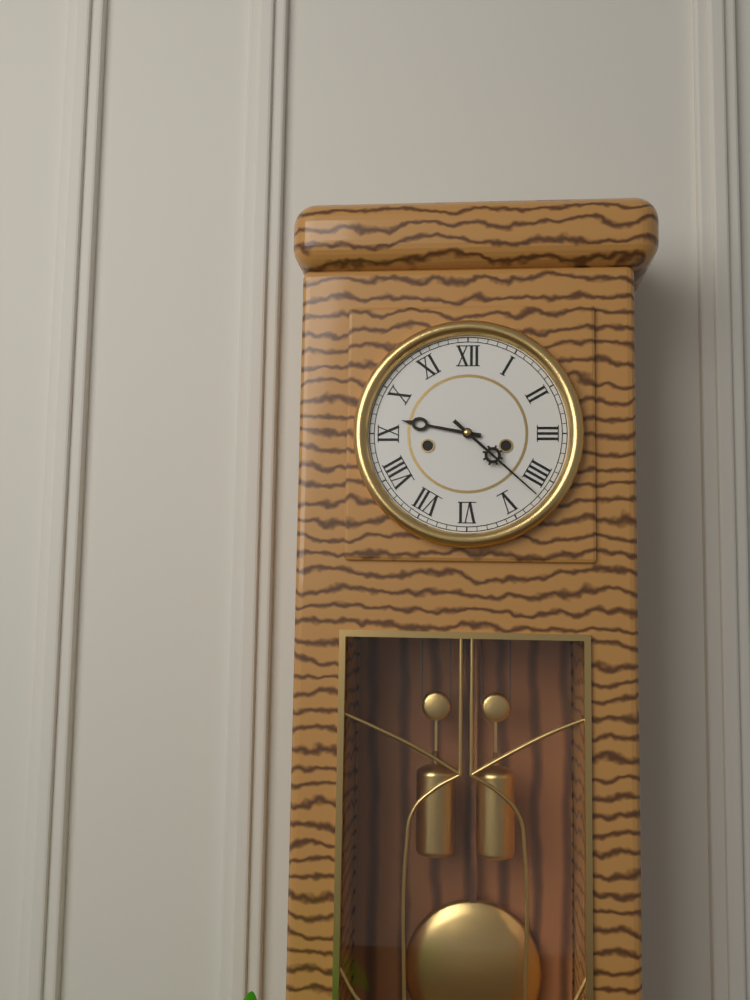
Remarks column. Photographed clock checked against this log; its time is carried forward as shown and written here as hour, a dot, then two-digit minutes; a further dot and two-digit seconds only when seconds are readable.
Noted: 9.22
